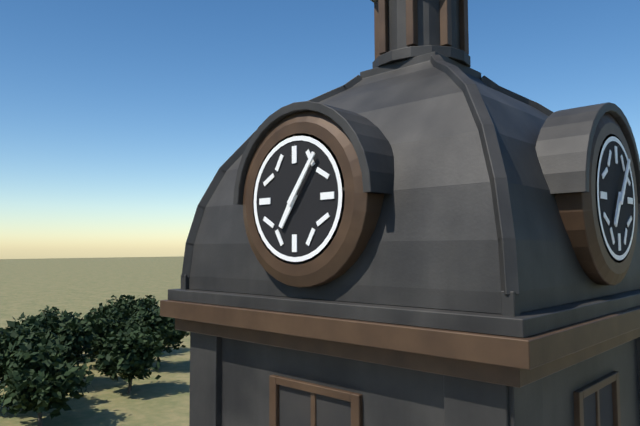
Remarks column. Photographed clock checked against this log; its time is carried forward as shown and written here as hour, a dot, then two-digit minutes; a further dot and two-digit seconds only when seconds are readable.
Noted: 7.06
